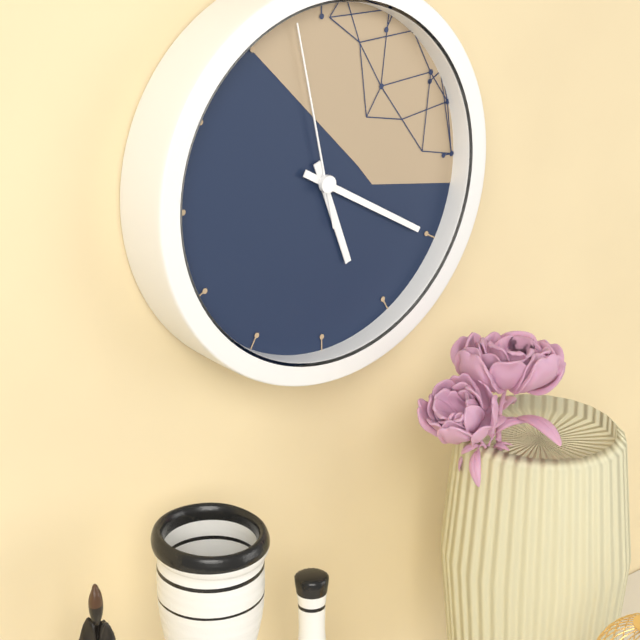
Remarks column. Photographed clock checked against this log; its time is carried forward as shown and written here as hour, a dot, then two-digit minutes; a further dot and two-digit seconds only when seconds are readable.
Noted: 5.20.58
